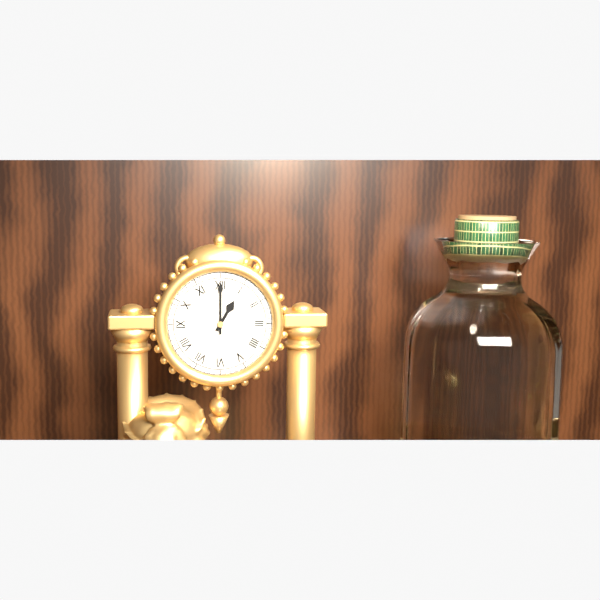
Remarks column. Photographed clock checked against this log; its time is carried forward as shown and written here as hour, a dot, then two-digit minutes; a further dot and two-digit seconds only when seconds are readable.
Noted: 1.00
